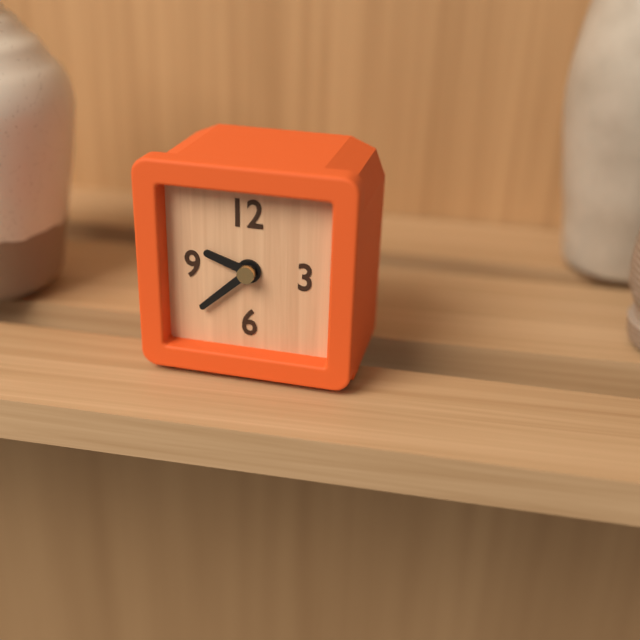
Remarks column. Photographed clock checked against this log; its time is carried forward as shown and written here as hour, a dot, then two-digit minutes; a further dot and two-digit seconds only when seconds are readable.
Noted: 9.38
